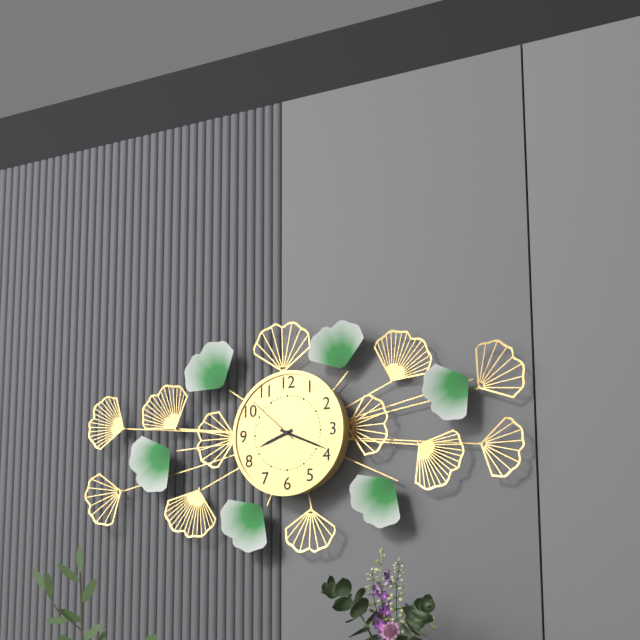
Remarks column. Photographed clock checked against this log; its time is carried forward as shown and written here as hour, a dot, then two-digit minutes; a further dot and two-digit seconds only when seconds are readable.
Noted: 8.19.52
